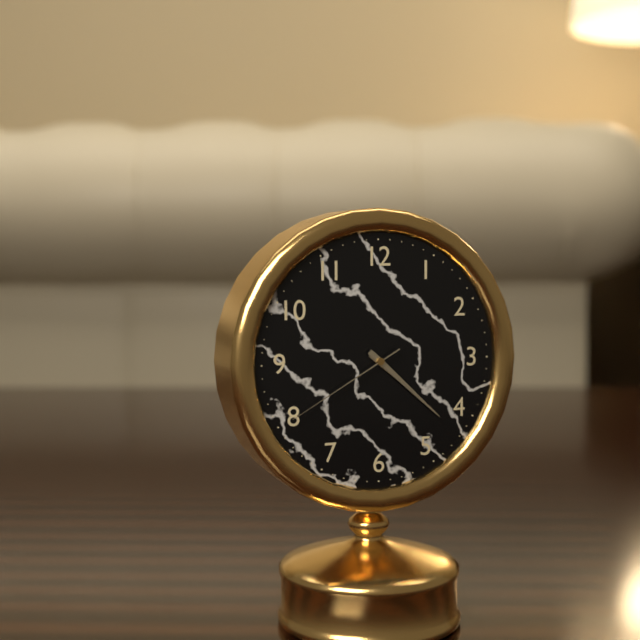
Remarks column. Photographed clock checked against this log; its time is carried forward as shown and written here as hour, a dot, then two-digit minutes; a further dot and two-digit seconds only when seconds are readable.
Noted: 4.22.40
